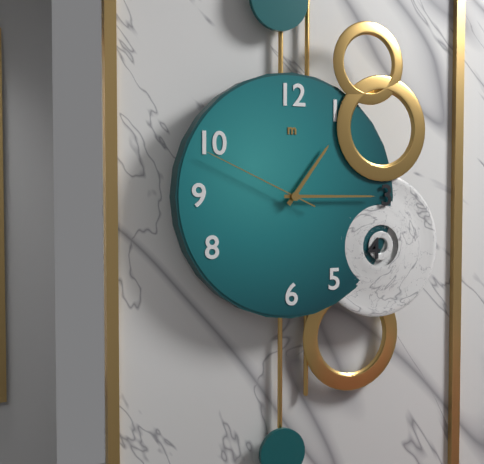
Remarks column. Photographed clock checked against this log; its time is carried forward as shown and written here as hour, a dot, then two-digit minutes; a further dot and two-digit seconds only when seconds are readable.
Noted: 1.15.49
